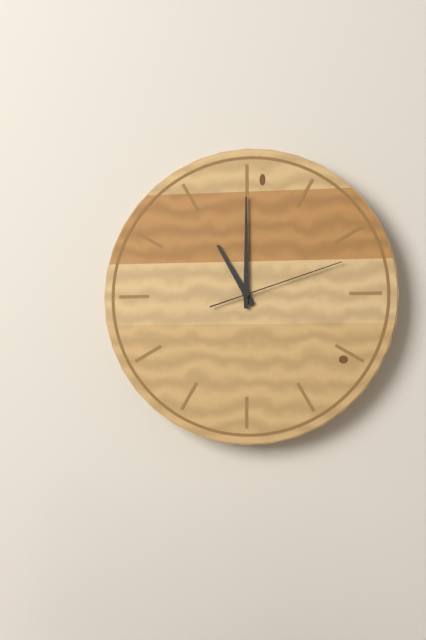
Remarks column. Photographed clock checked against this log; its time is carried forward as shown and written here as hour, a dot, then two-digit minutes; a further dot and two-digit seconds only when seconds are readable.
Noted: 11.00.12
